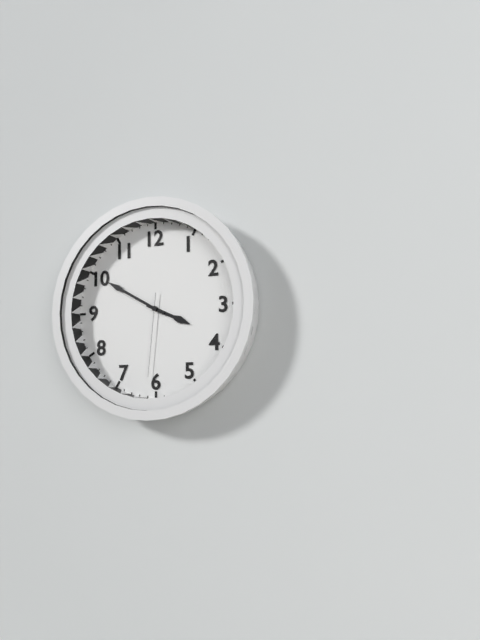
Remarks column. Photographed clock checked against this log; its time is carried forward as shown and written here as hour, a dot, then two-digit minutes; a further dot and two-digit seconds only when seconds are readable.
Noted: 3.50.31
